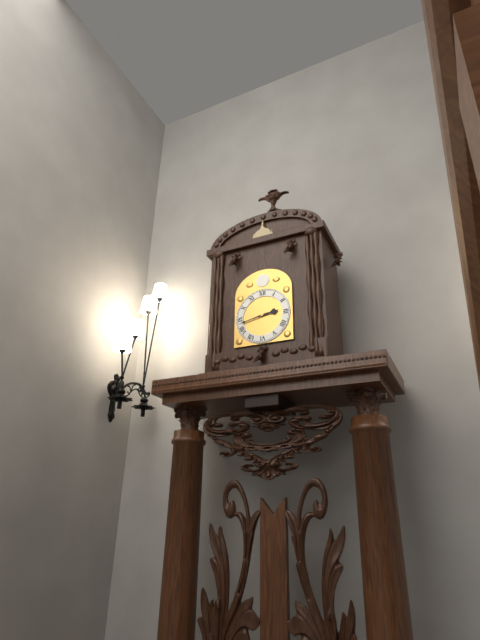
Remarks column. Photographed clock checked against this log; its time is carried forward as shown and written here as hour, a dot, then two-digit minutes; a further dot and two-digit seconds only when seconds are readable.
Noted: 2.43
